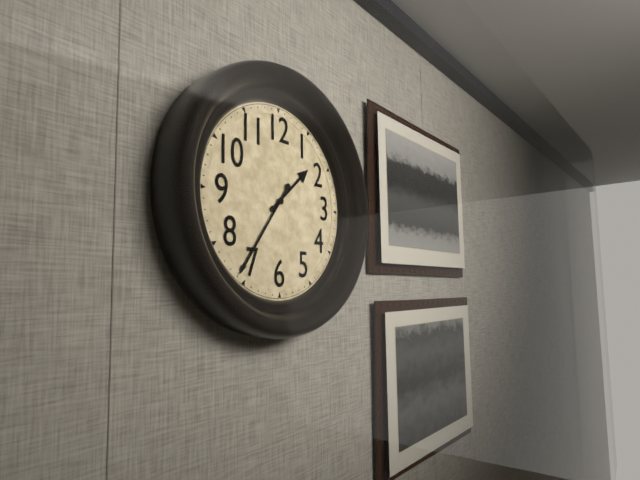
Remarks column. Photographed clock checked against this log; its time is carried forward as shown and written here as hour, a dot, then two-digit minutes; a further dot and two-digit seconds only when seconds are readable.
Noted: 1.36
